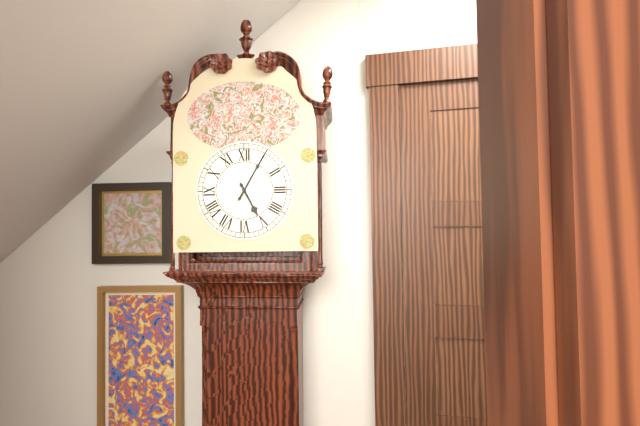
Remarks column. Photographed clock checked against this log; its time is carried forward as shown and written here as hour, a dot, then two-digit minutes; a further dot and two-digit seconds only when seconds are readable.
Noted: 5.05
